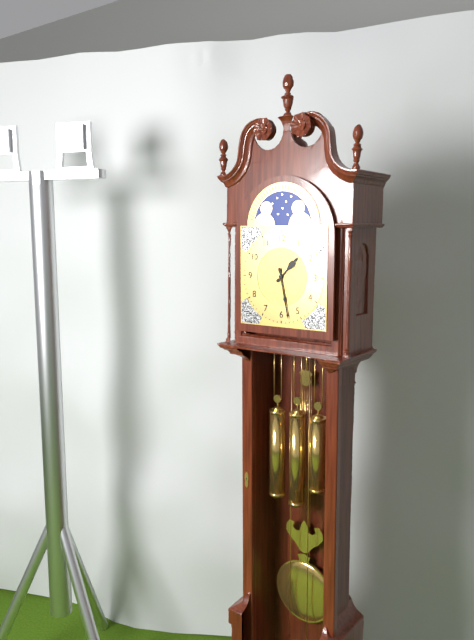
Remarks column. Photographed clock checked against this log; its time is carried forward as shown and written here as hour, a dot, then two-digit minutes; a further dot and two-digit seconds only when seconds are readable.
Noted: 1.28
